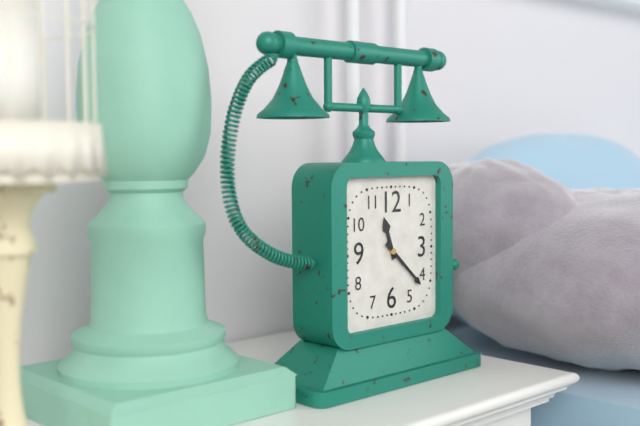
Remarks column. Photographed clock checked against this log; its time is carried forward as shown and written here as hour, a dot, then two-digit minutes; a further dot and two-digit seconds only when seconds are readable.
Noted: 11.22
